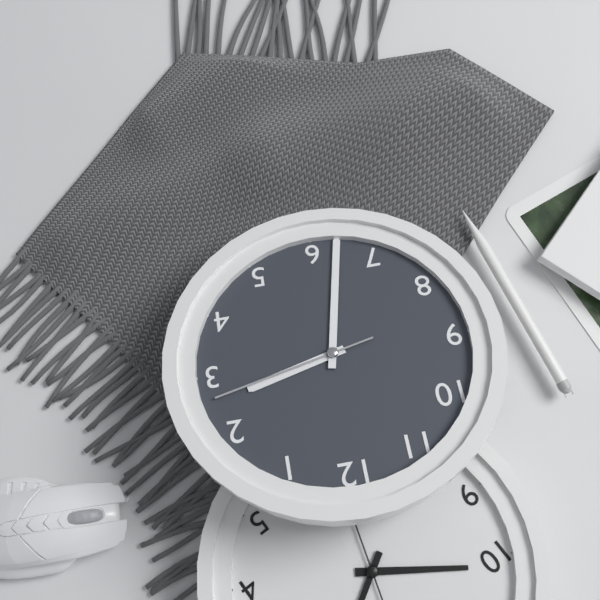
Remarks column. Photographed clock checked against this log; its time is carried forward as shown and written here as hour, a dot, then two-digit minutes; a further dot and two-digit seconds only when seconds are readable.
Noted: 2.32.13
